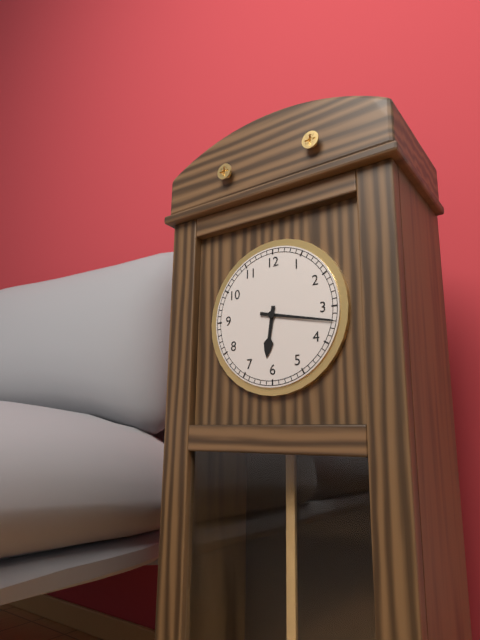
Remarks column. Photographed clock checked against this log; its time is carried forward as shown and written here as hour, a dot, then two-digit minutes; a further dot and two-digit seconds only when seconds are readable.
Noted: 6.17
